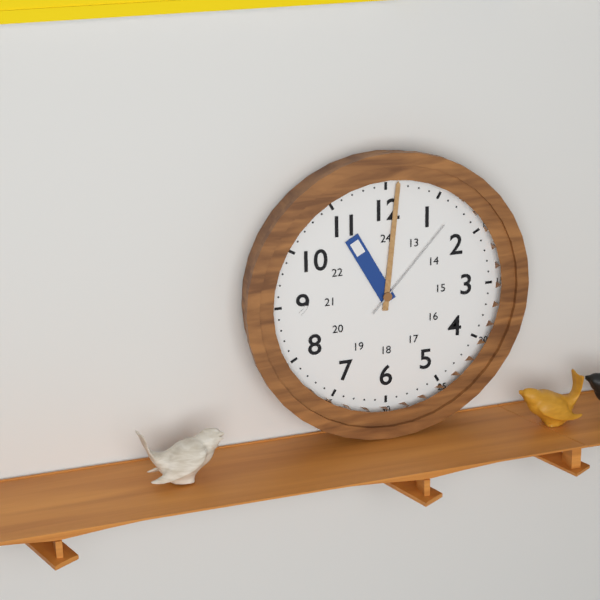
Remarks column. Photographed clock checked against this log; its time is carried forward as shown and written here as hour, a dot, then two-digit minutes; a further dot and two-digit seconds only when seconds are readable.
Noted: 11.01.07
